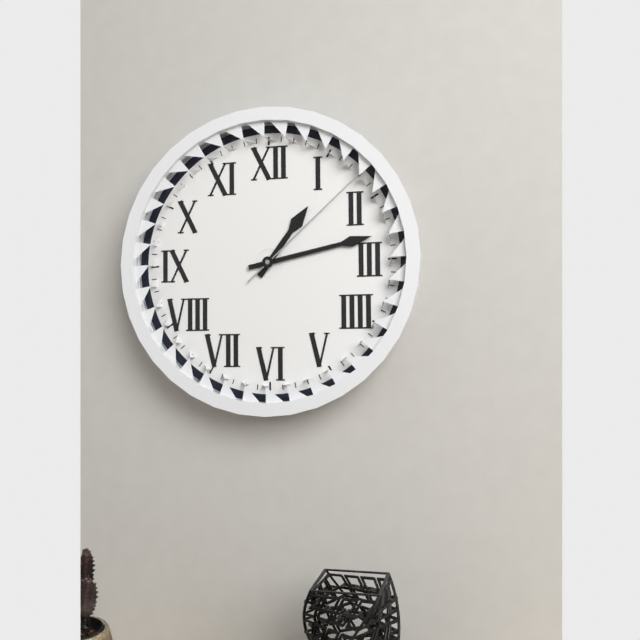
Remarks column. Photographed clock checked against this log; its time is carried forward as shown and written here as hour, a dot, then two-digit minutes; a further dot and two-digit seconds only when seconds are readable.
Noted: 1.13.08
